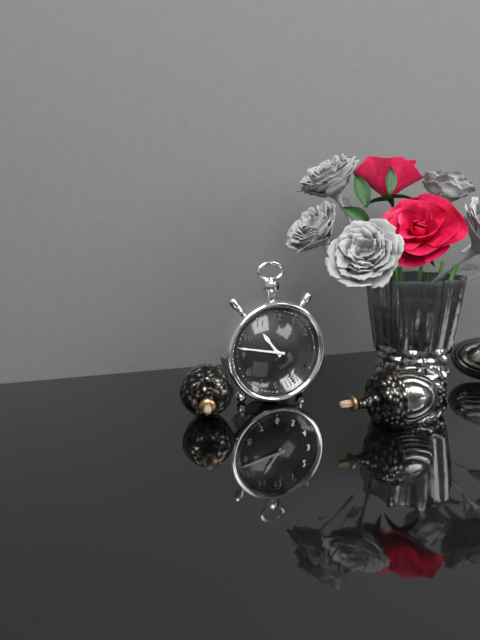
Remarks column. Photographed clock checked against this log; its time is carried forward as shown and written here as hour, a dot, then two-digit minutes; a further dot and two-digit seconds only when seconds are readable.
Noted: 10.47
